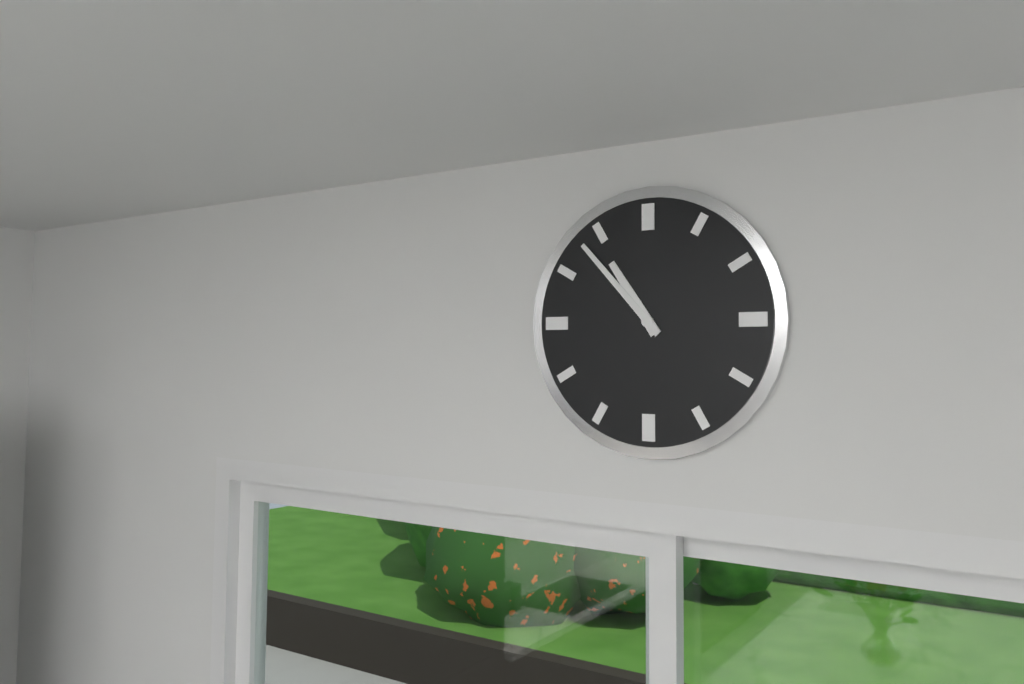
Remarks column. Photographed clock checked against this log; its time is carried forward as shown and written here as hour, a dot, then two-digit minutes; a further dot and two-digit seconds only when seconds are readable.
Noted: 10.53
